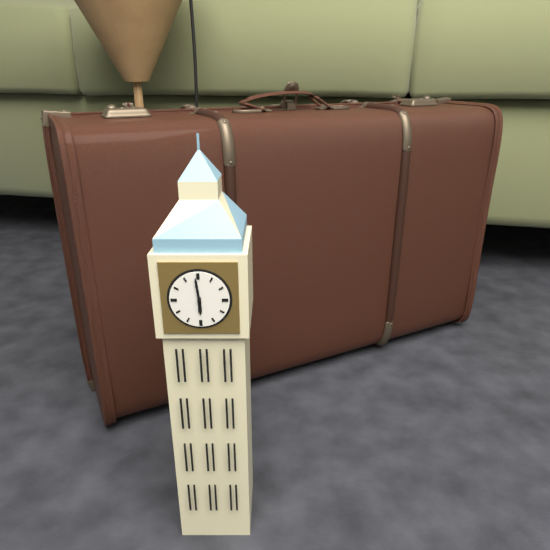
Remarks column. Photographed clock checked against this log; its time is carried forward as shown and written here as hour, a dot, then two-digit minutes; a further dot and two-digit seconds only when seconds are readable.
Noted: 5.59
